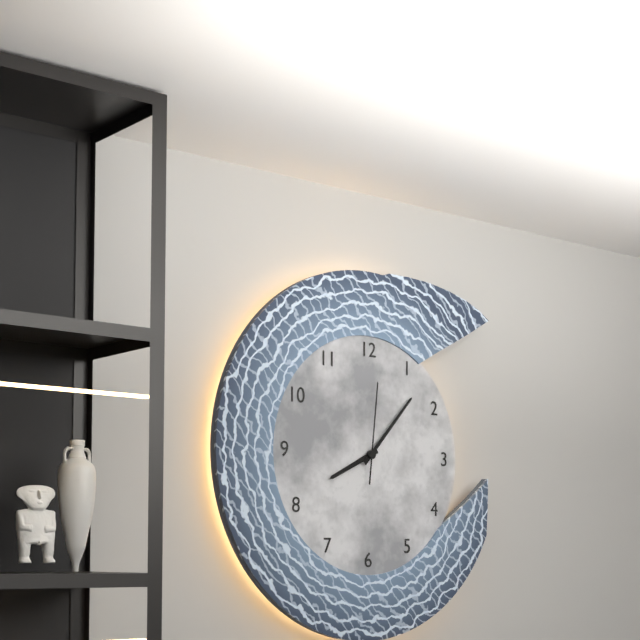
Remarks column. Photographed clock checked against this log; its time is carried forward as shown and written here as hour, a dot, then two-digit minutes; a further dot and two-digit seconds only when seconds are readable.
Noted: 8.07.01
